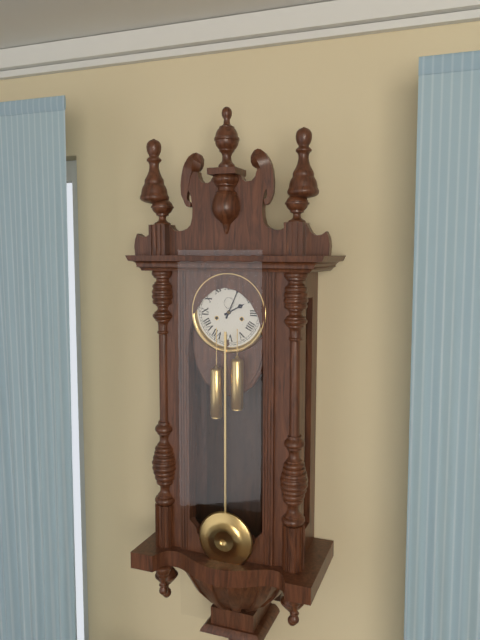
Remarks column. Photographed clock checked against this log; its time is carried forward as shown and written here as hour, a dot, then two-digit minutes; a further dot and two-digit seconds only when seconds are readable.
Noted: 2.04
